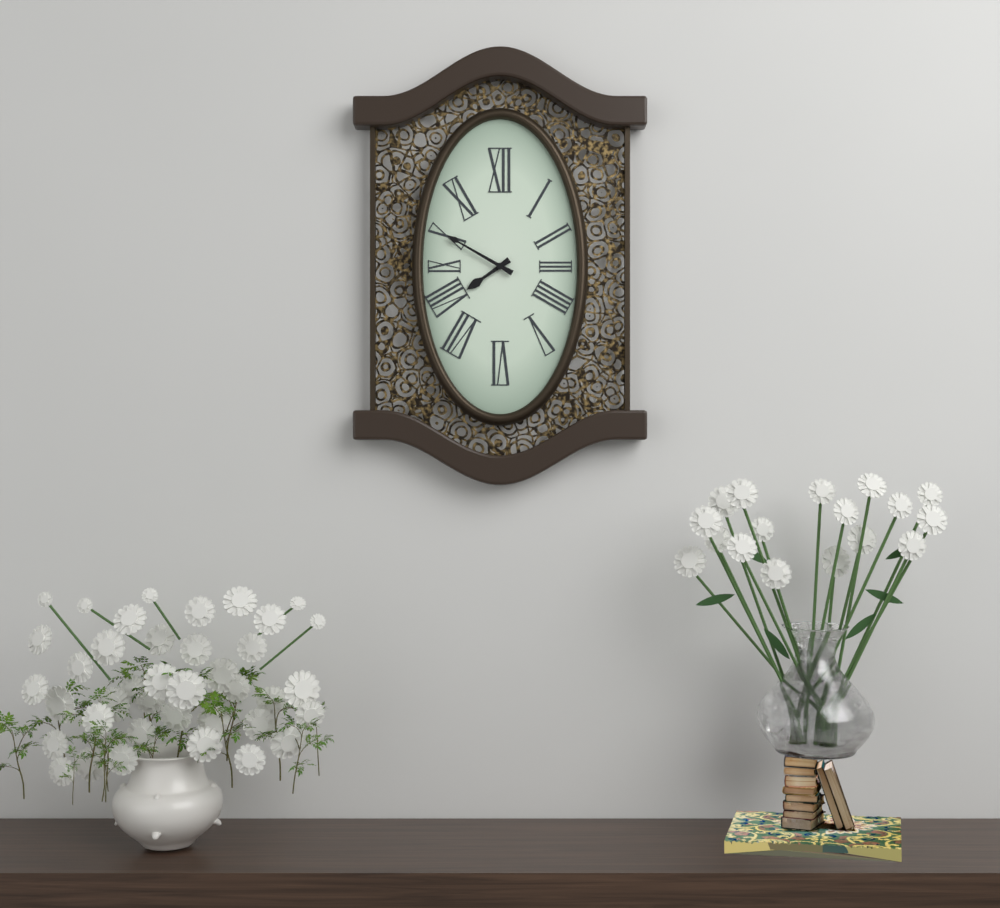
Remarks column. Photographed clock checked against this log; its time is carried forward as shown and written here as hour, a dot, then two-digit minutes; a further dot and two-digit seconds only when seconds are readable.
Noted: 7.50
